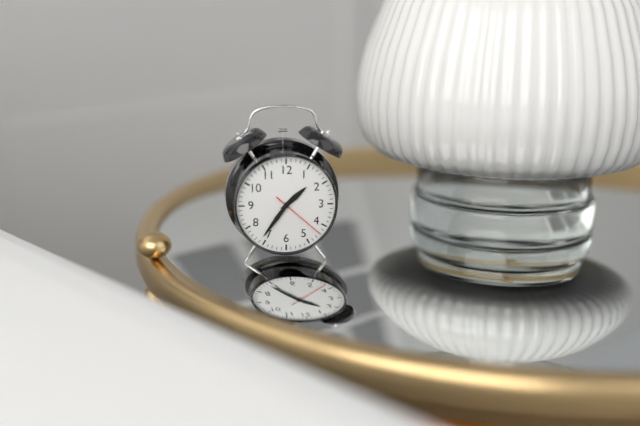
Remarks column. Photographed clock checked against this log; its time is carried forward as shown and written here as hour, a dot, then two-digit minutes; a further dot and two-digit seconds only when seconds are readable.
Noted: 1.36.22
